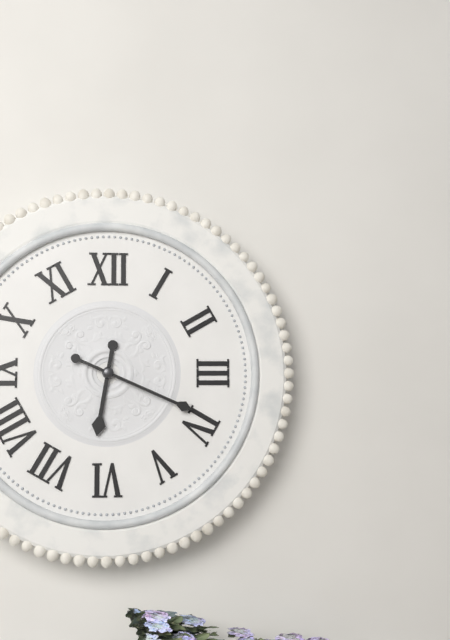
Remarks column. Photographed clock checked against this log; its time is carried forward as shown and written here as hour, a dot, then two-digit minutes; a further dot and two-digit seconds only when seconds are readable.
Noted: 6.19
